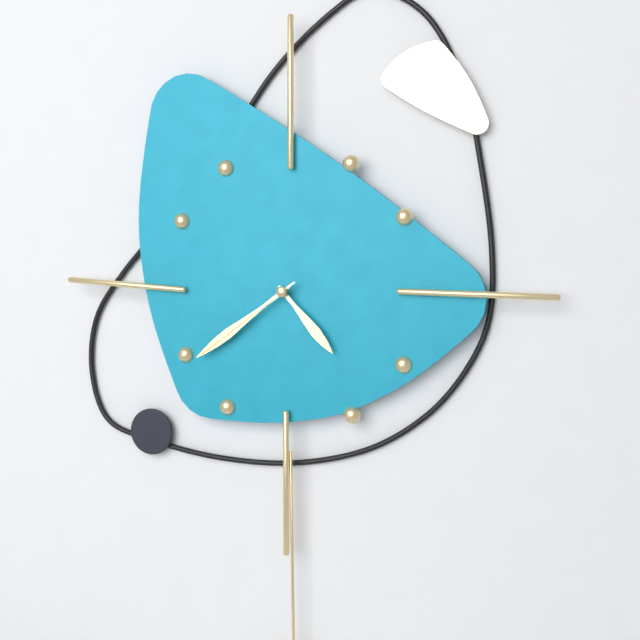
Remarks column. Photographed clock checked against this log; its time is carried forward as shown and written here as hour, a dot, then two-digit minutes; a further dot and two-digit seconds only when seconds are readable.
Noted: 4.39.39
